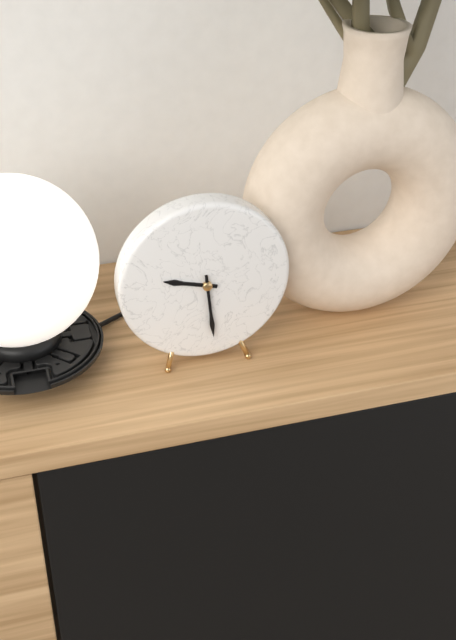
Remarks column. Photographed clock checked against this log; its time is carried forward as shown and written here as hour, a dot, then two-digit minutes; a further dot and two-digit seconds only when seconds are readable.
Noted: 9.29
